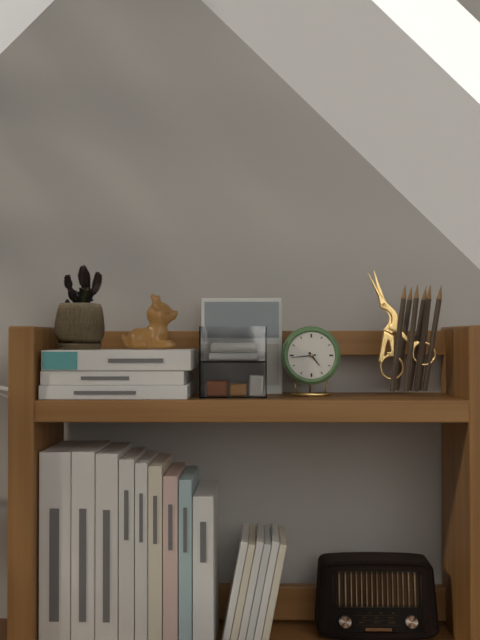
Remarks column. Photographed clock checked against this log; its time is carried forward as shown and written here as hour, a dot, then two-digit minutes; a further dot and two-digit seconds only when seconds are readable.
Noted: 4.44
